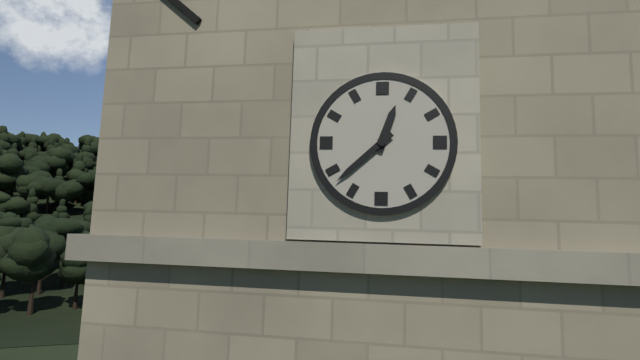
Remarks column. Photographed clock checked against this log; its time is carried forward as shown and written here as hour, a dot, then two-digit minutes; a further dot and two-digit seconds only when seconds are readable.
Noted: 12.38
